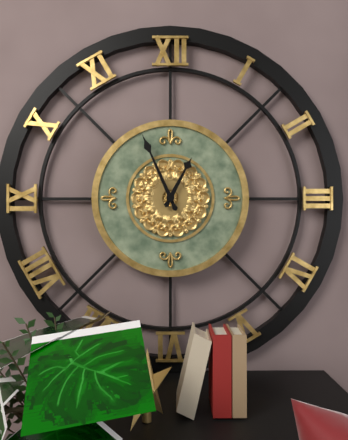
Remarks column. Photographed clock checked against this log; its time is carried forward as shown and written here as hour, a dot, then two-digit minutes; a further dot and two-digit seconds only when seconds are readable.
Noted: 12.56
